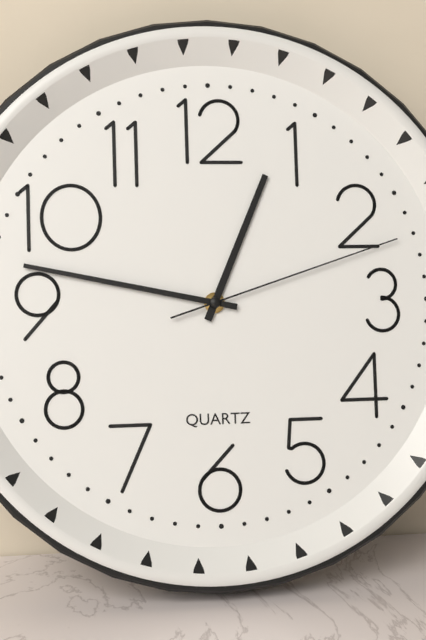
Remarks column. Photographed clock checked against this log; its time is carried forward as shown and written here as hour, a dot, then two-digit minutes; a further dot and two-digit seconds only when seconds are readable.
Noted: 12.47.12
